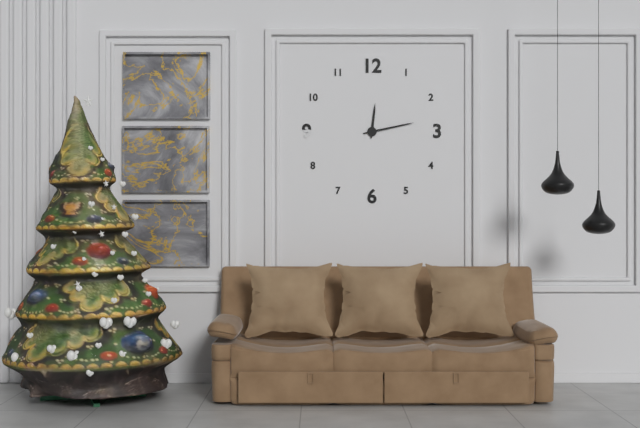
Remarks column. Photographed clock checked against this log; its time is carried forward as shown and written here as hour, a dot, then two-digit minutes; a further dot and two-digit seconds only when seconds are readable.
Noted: 12.13
